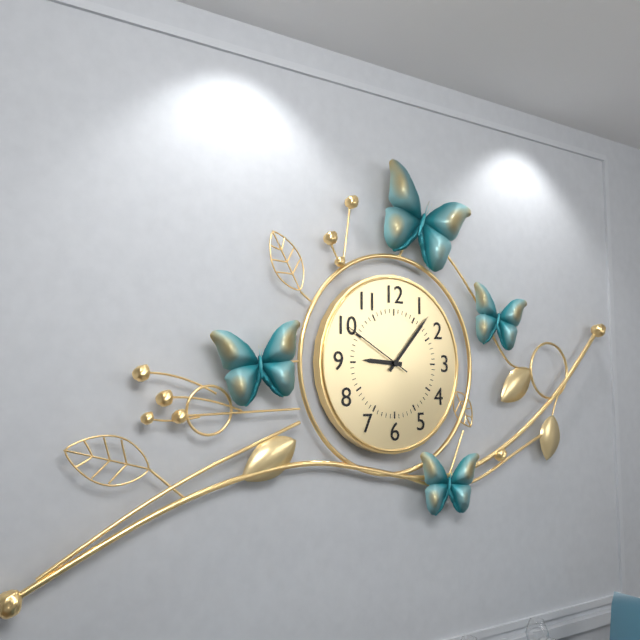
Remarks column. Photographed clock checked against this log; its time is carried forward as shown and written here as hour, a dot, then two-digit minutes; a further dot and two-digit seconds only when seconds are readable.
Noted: 9.07.50
